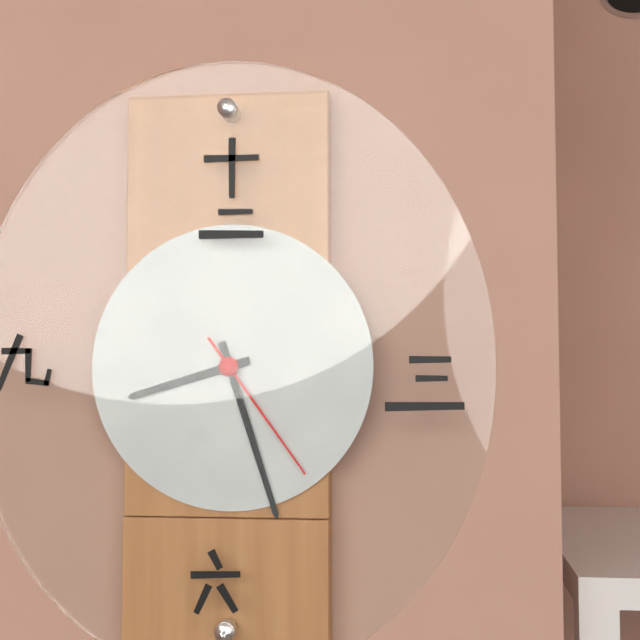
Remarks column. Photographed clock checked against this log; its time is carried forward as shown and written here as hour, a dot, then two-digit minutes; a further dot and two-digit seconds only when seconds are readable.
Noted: 8.27.24
